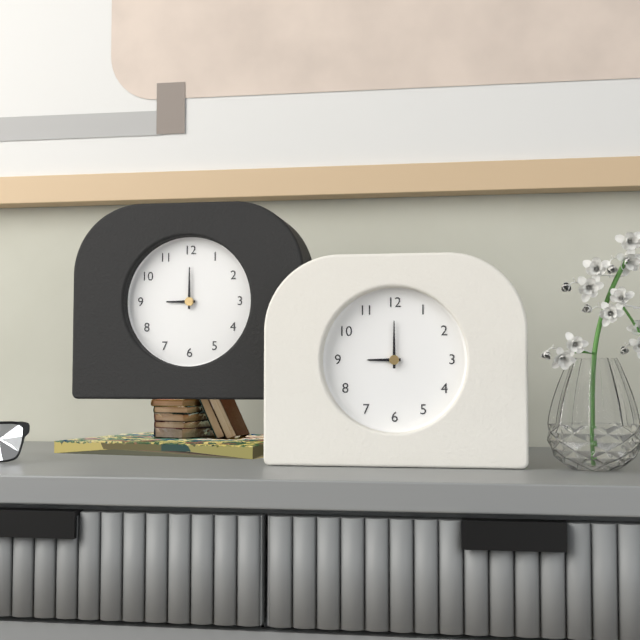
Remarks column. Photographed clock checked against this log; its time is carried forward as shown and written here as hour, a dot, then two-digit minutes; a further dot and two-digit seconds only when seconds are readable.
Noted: 9.00
